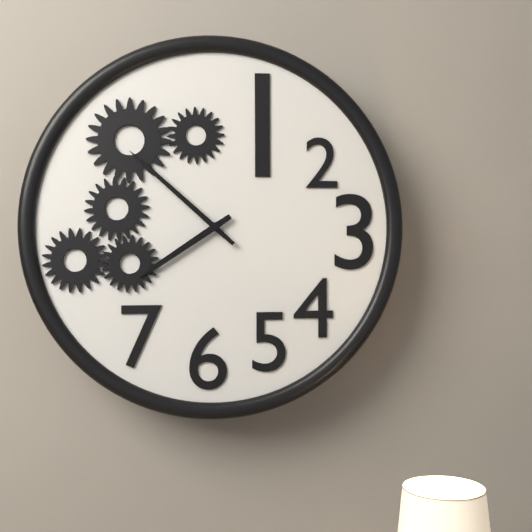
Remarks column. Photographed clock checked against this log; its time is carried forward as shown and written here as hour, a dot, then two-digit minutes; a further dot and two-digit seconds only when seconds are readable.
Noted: 7.52
